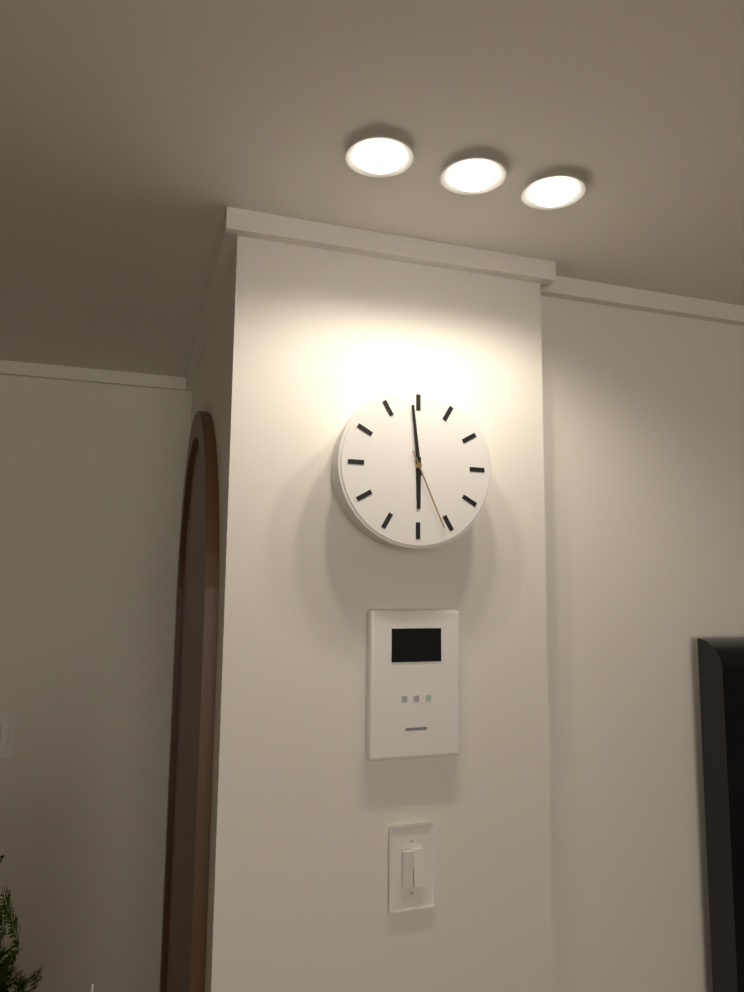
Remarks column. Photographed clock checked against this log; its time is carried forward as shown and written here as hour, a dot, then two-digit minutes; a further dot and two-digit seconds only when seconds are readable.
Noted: 5.59.26
